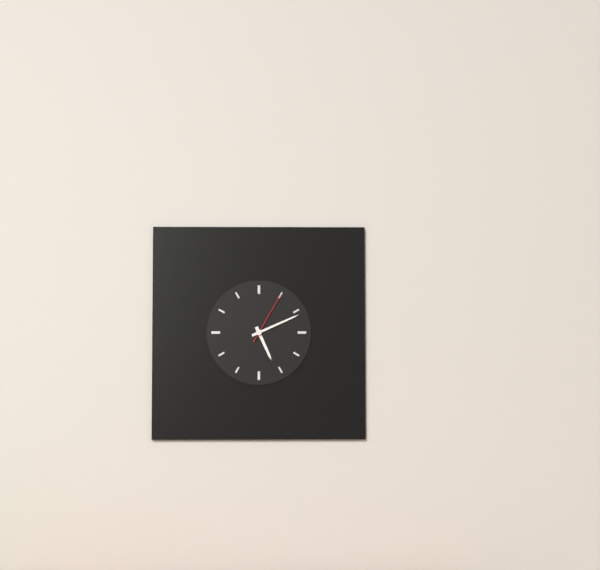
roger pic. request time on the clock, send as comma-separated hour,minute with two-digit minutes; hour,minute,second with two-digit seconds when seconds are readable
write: 5,11,05
